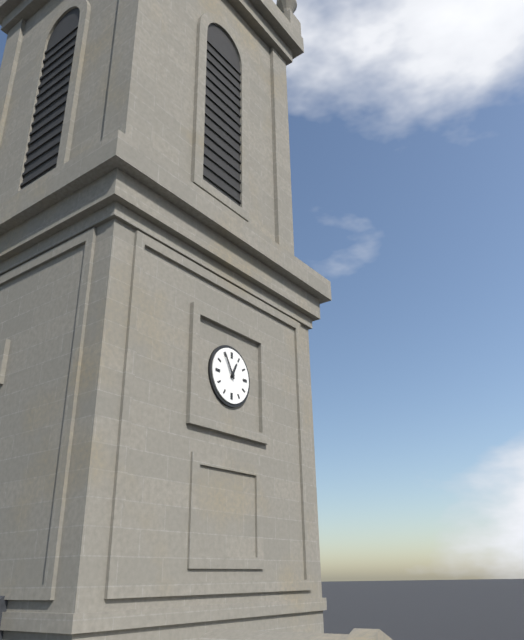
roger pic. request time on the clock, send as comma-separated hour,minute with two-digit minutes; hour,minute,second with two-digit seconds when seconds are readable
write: 12,55
